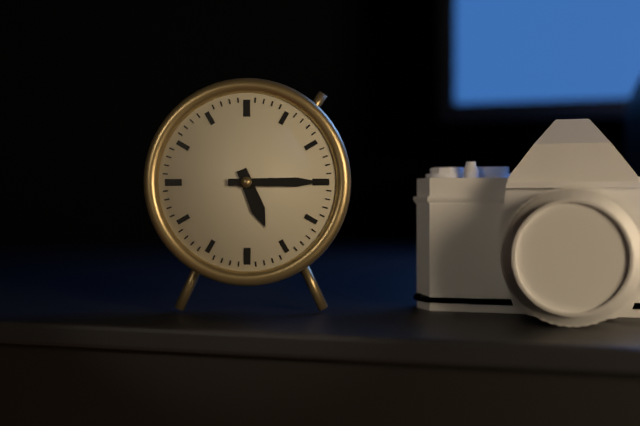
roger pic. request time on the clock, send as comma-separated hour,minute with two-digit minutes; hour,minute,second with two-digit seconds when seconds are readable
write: 5,15
